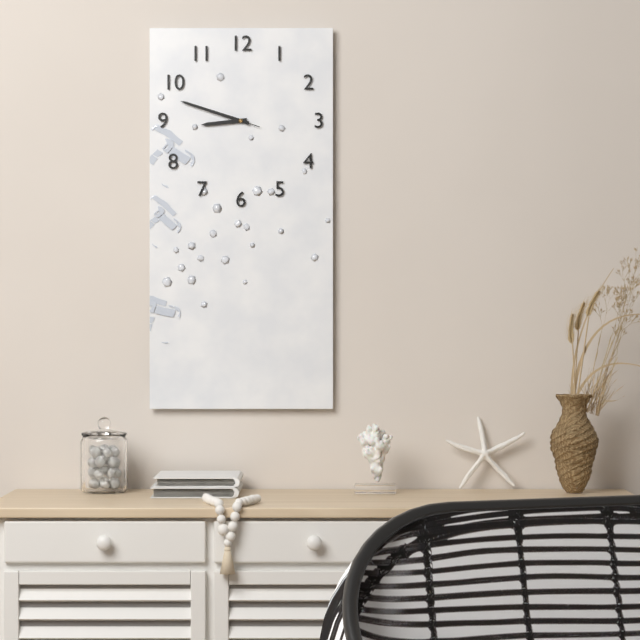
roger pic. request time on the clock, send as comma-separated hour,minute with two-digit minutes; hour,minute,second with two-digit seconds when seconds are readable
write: 8,48,48
